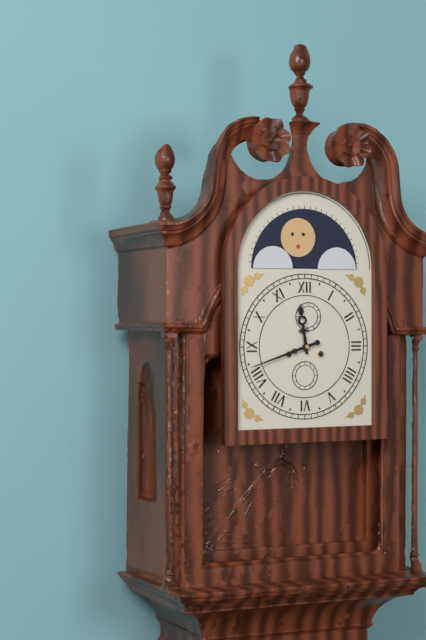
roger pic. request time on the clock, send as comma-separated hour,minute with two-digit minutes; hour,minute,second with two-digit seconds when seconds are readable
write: 11,42
